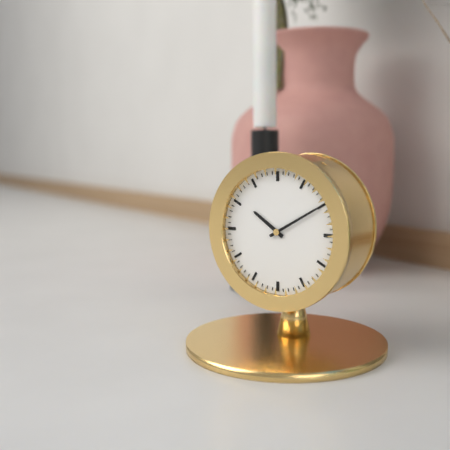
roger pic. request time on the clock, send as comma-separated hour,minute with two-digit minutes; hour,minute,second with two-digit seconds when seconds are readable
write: 10,10
